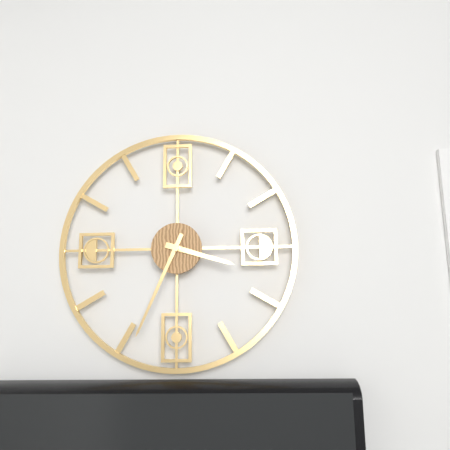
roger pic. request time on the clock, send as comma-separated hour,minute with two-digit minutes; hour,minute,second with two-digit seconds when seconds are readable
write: 3,34
